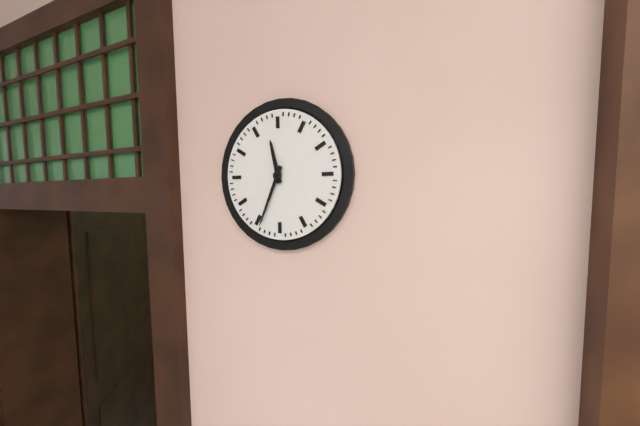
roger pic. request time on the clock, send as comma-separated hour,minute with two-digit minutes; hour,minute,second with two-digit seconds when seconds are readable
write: 11,34
